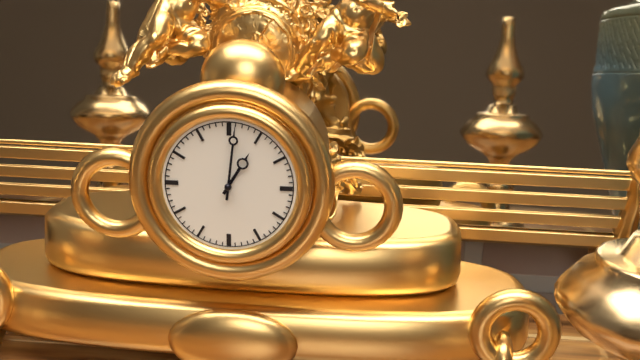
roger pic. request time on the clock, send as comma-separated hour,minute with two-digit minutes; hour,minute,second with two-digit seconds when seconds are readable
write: 1,01
